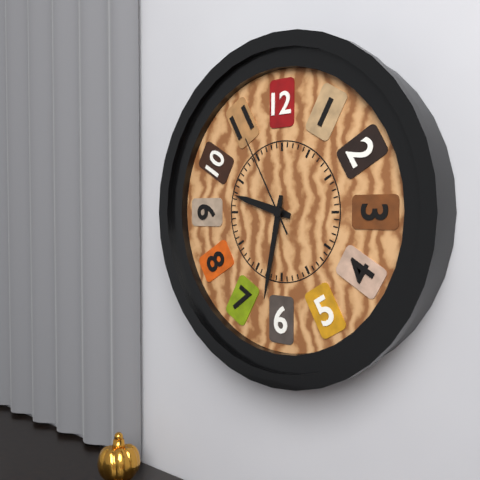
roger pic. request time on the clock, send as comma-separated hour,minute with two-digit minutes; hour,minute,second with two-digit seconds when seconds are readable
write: 9,32,55
